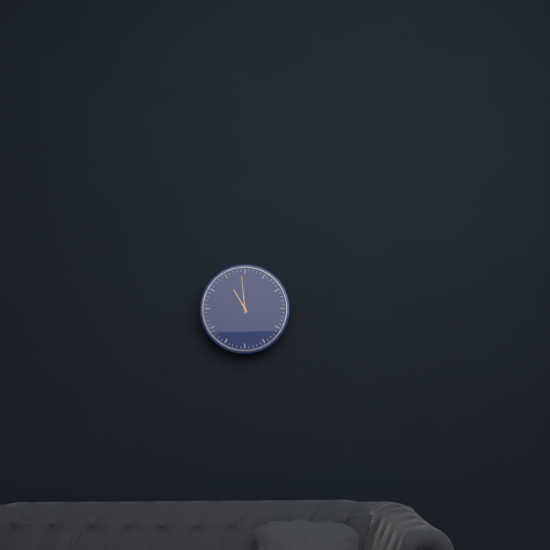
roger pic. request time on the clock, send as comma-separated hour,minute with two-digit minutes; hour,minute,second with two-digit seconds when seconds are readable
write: 10,59
